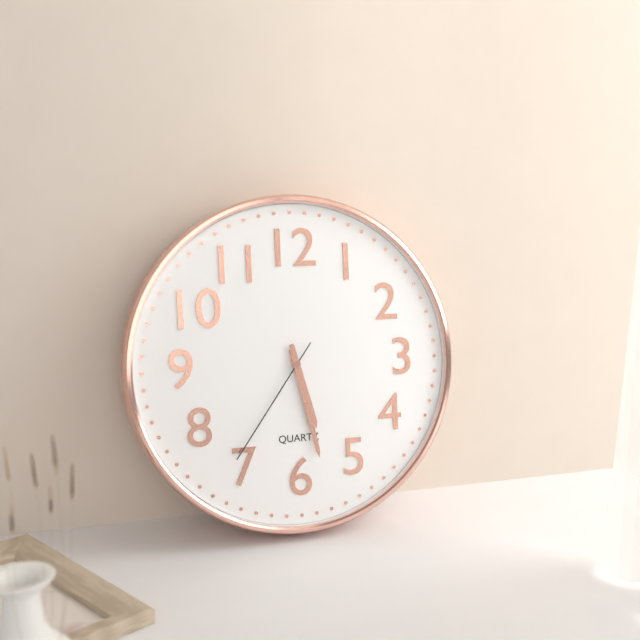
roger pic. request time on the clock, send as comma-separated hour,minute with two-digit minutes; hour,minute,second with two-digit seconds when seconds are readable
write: 5,28,36
